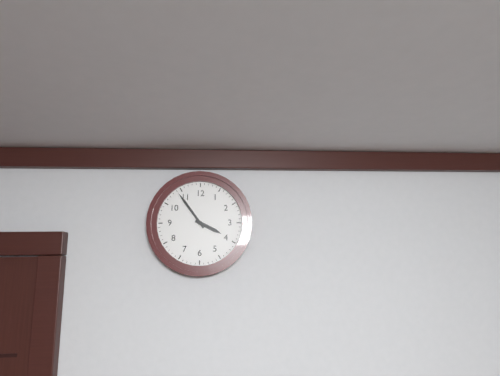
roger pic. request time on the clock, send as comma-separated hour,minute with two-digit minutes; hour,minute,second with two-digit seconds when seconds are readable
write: 3,54
